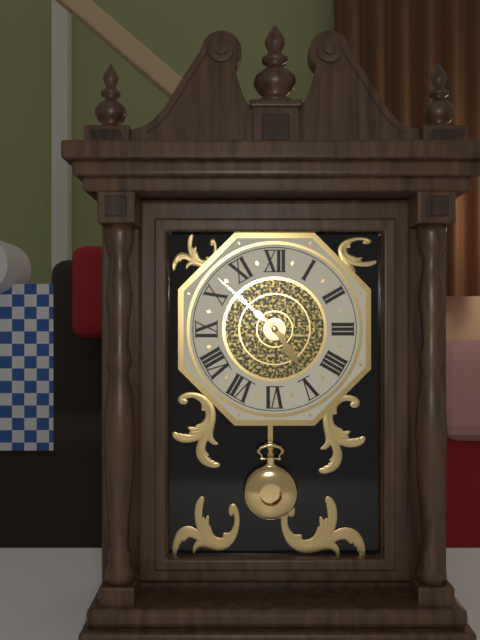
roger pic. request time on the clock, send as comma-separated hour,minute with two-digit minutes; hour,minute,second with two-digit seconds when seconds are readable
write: 4,52
